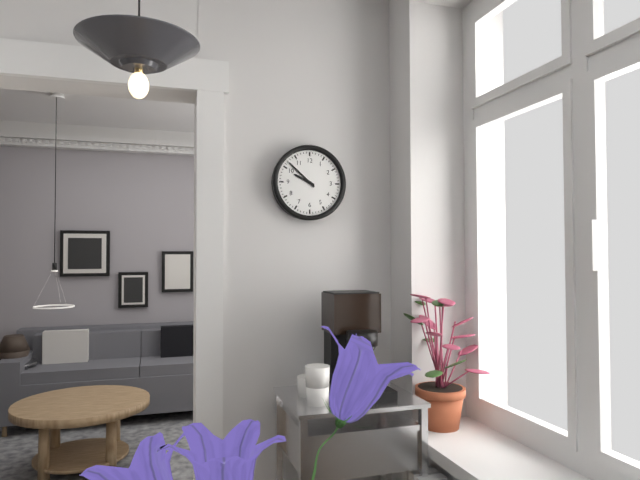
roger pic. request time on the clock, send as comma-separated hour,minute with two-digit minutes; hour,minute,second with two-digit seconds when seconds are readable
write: 9,52
